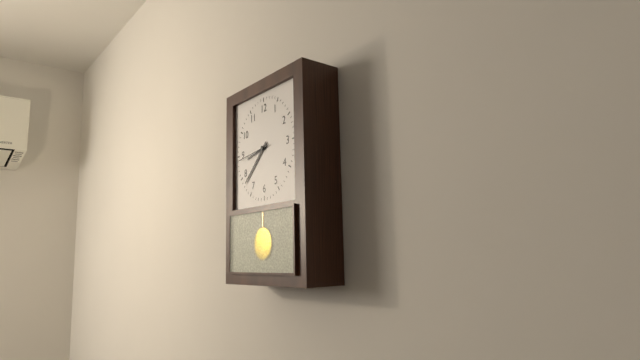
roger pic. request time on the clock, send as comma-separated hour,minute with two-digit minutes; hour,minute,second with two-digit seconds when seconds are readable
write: 8,38
